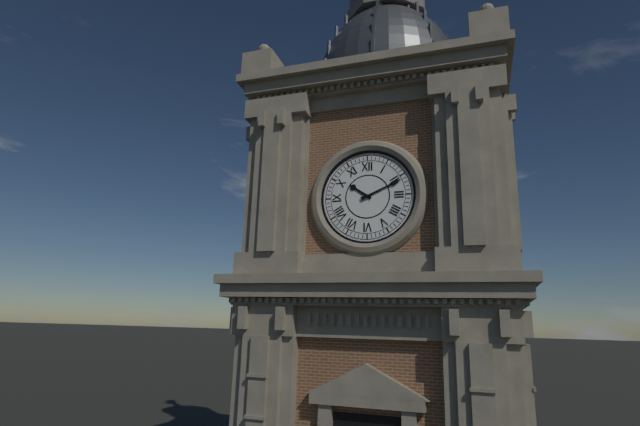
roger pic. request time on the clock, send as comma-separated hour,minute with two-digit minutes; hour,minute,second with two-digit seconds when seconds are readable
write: 10,11
